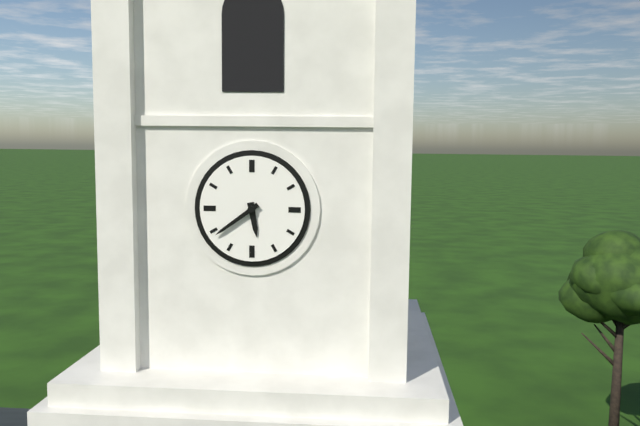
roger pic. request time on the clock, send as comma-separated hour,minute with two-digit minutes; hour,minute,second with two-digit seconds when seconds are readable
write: 5,39
